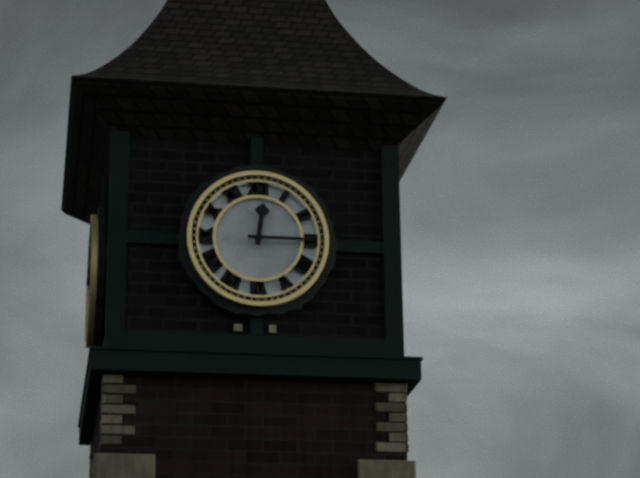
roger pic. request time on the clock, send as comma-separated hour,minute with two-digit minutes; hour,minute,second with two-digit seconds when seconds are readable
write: 12,15
